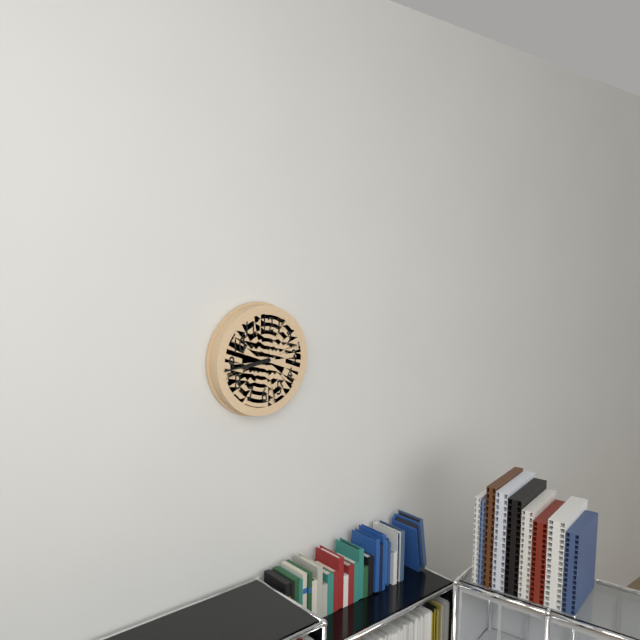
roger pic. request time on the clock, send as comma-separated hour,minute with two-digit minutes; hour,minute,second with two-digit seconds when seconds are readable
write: 8,44
